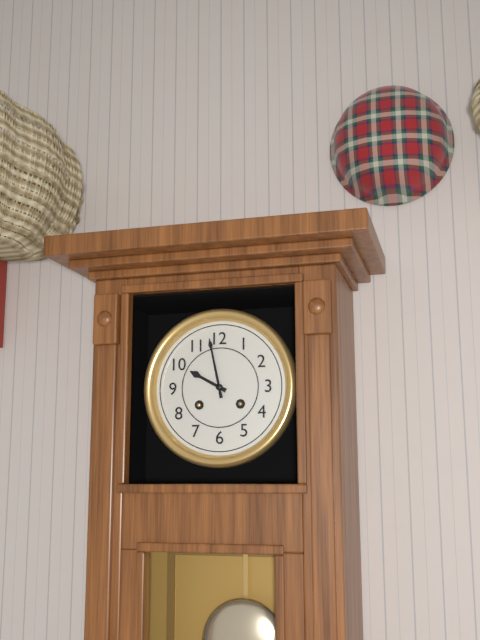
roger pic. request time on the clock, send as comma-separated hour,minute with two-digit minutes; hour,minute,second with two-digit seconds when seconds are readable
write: 9,58
